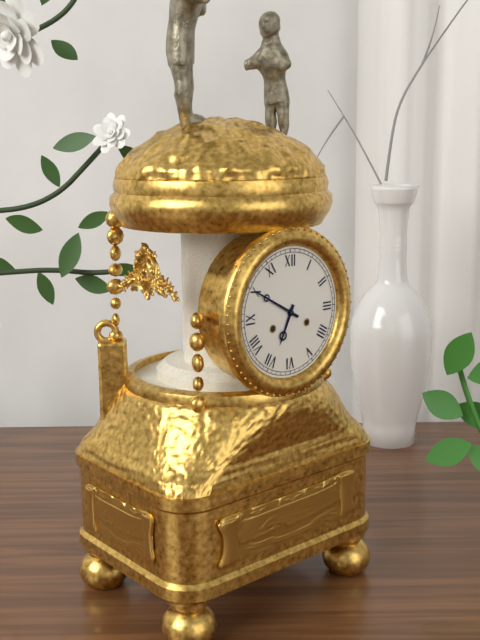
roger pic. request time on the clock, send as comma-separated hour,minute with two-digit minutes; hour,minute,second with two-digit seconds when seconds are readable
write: 6,50
